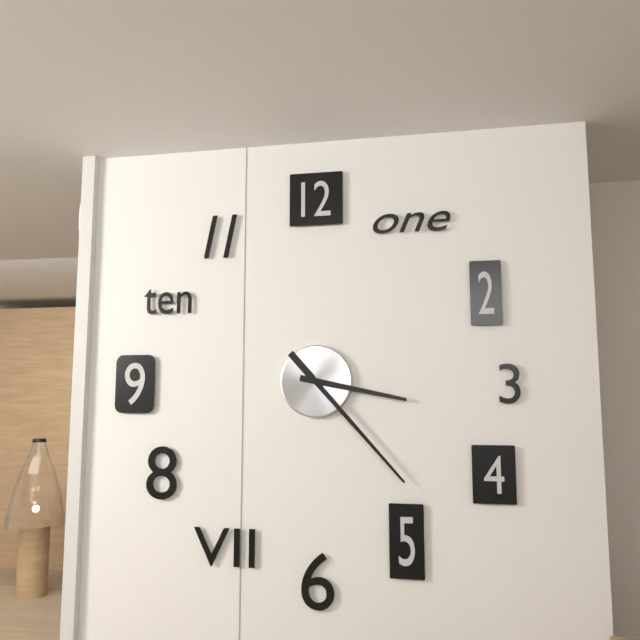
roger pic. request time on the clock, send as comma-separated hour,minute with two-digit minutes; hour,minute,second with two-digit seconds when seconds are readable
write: 3,23
